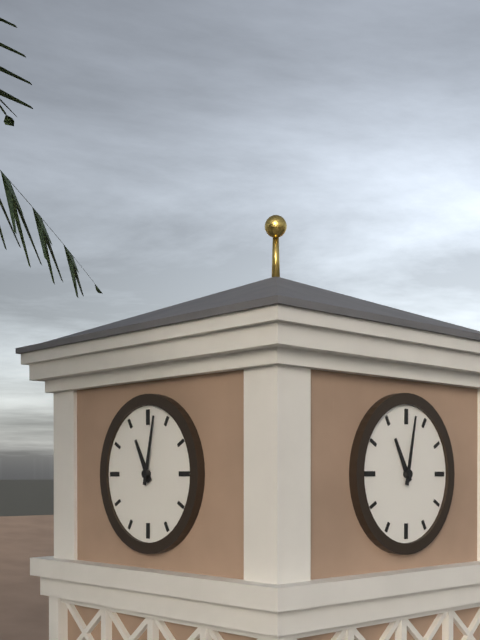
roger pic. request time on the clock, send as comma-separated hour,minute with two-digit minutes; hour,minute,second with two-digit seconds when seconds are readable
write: 11,02
